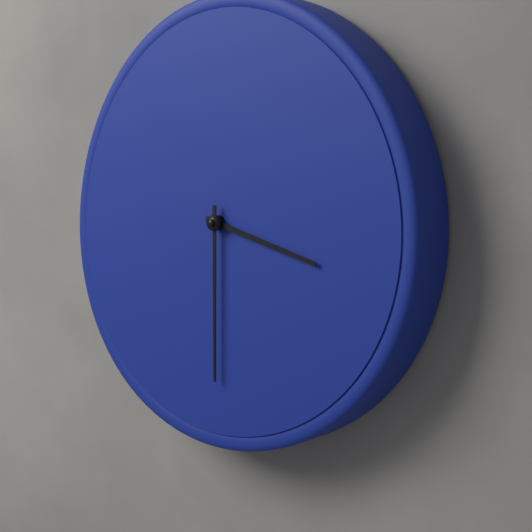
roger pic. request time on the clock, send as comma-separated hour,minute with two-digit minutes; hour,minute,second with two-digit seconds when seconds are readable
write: 3,30
